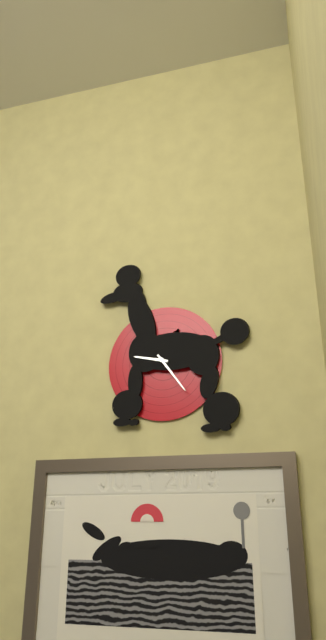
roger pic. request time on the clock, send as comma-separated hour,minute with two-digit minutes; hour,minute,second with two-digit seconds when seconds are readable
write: 9,24
